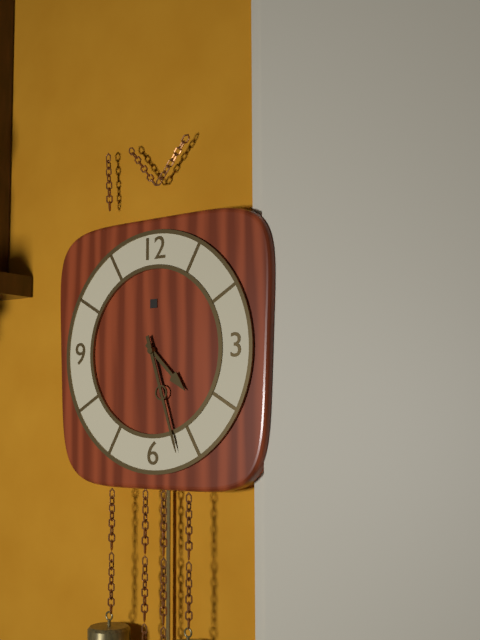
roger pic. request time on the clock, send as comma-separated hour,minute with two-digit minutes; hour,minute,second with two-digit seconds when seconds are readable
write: 4,27
